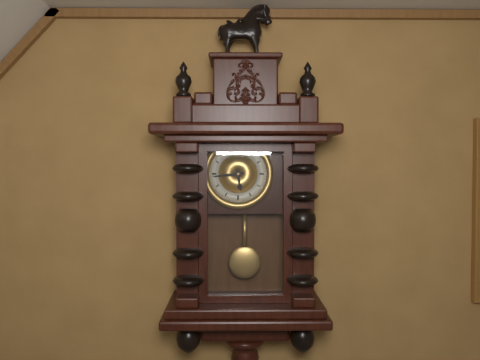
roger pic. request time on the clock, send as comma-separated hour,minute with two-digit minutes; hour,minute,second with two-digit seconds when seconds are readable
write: 5,44
